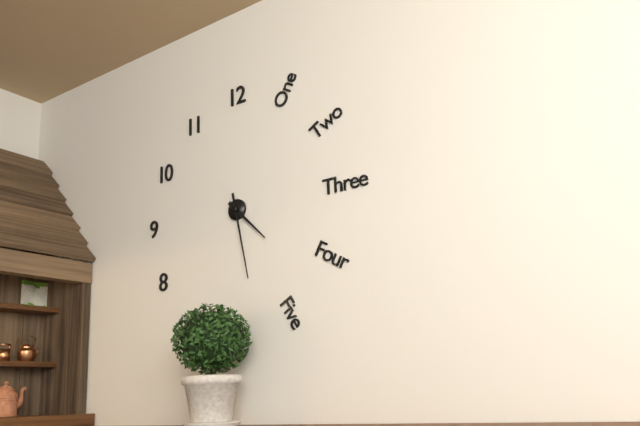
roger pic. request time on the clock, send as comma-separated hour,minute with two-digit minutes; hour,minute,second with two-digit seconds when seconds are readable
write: 4,28
